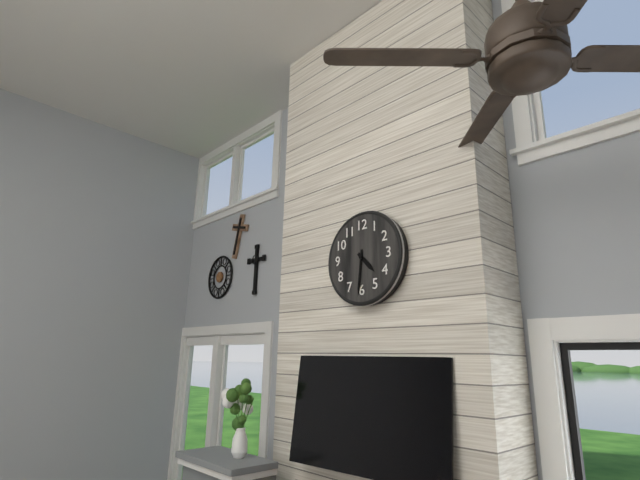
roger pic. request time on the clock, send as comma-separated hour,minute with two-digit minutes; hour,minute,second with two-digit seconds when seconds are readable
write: 4,31
